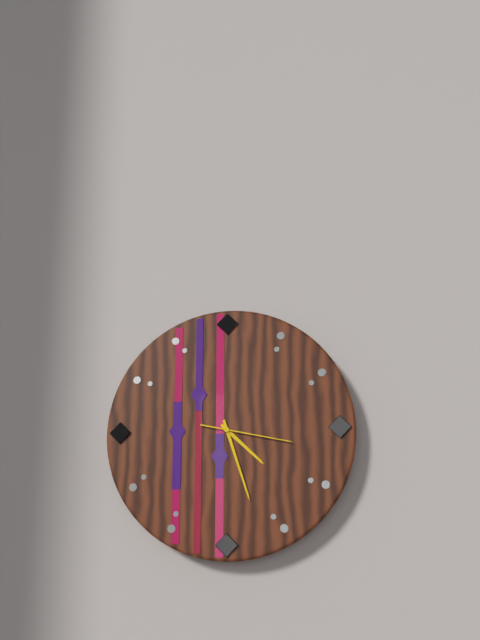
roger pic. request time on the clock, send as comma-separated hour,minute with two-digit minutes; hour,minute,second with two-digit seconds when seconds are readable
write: 4,27,17
